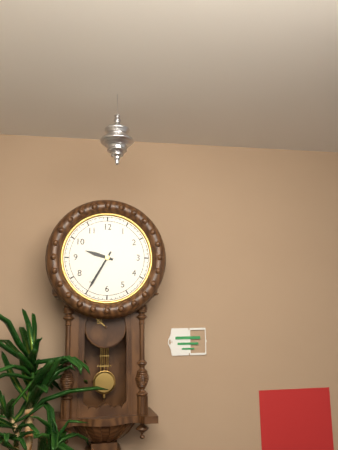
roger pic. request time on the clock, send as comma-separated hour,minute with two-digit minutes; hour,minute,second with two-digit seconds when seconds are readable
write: 9,35
